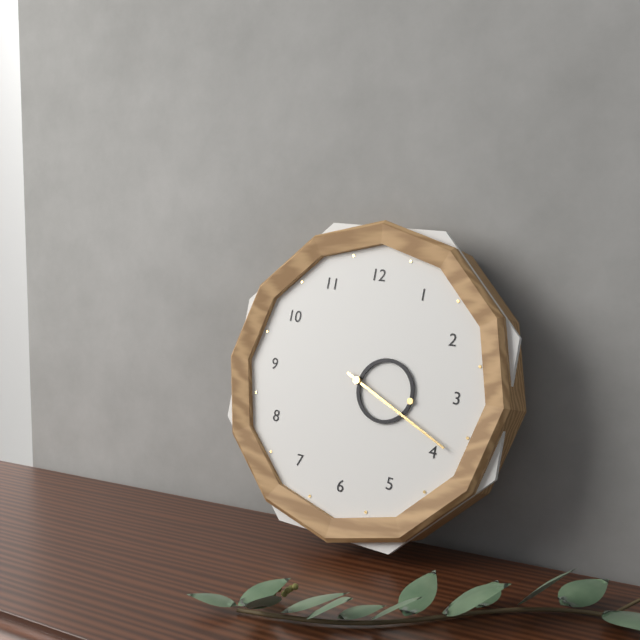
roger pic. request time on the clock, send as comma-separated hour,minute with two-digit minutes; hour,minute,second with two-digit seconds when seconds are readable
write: 3,19
